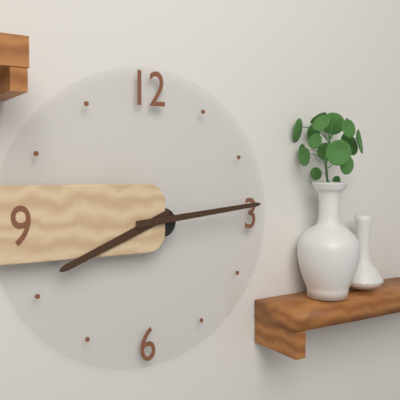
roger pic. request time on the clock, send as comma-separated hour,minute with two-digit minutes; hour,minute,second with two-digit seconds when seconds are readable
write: 8,14
